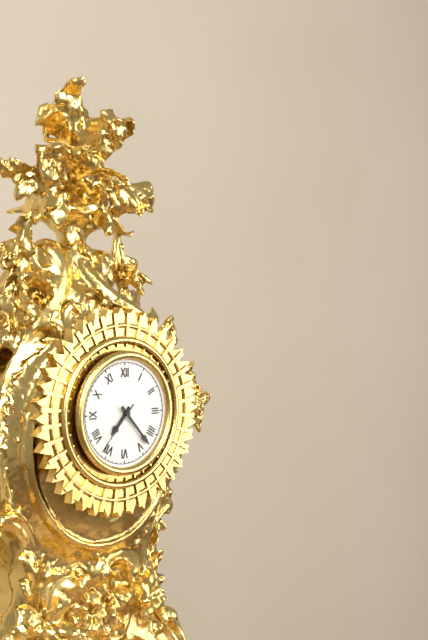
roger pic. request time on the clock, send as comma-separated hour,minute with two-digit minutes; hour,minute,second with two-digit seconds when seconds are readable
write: 7,23,37
